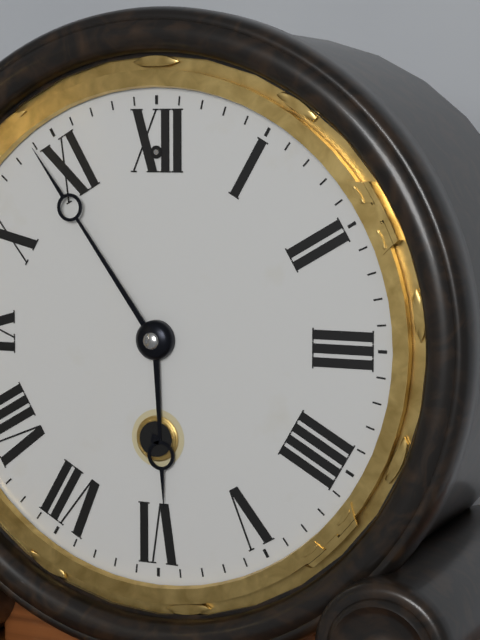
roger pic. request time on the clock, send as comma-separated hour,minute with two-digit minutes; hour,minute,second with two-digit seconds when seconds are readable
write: 5,54
